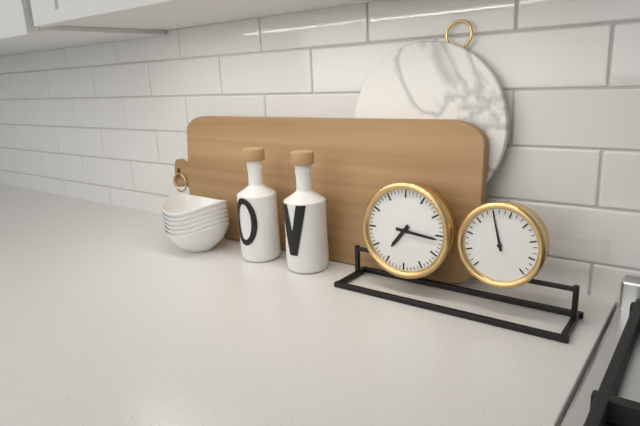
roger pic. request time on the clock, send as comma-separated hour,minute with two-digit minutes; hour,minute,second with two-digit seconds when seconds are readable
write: 7,16
